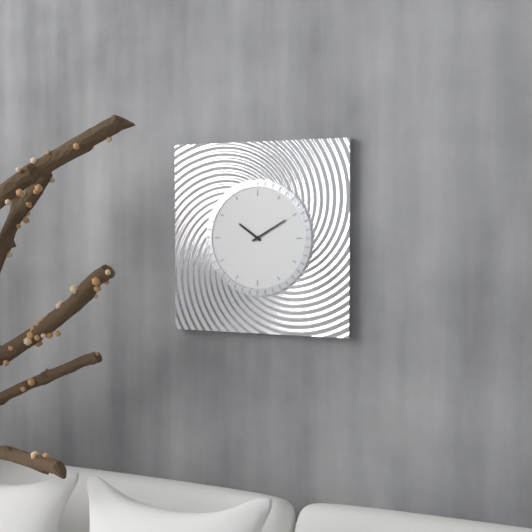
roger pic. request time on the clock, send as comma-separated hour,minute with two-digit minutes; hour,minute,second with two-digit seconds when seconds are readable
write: 10,10
